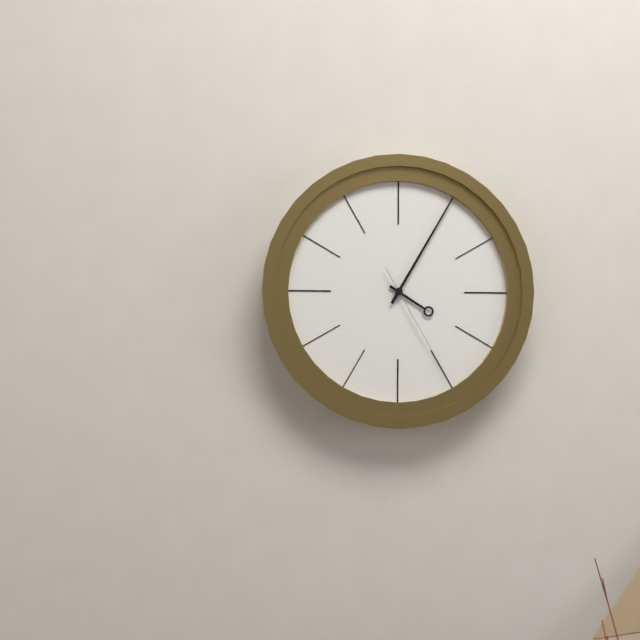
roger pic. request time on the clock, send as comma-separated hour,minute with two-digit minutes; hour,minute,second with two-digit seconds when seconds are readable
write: 4,05,25
